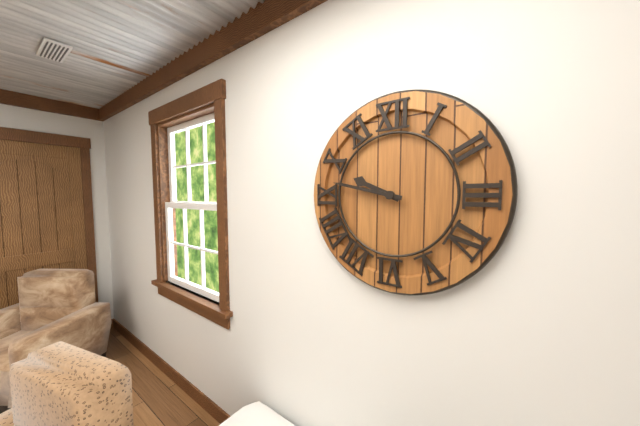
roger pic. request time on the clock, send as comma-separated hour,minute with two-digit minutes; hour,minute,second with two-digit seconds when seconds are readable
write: 9,47
